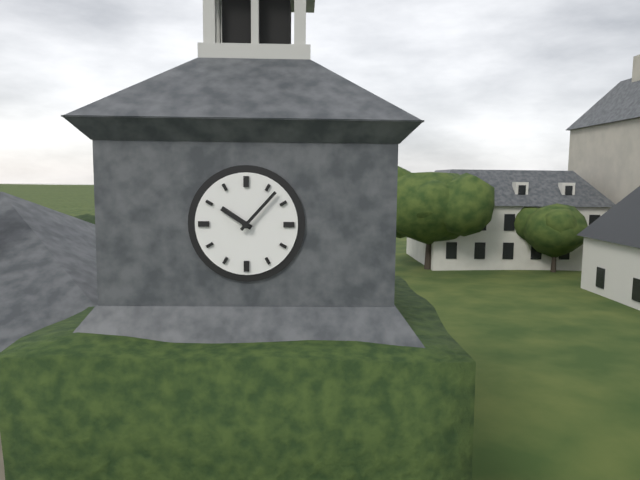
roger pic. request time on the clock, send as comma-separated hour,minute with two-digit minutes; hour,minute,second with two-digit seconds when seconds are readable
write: 10,07
